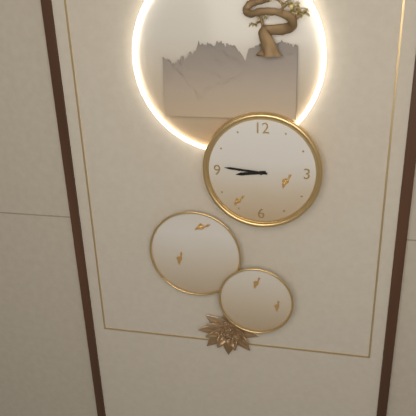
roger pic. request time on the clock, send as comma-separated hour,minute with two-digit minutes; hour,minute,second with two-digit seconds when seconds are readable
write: 8,46
